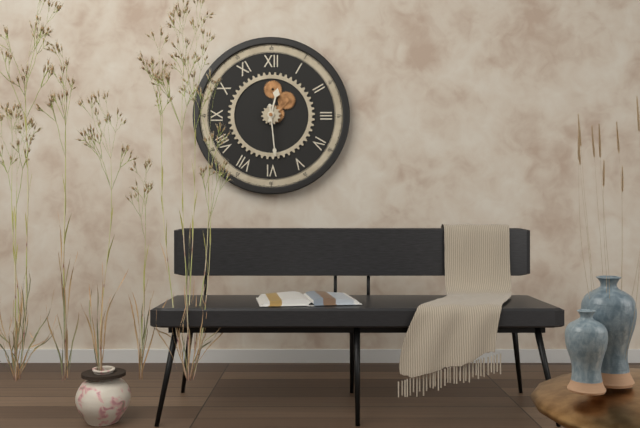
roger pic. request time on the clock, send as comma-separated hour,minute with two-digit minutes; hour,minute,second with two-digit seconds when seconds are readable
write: 12,29
